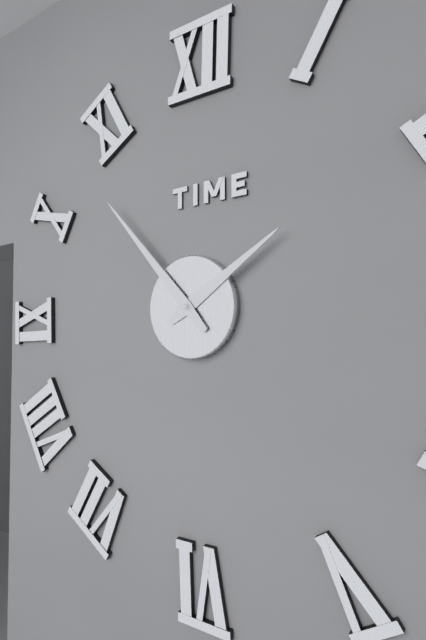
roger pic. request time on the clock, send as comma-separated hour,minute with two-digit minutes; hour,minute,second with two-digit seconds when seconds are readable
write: 1,53
